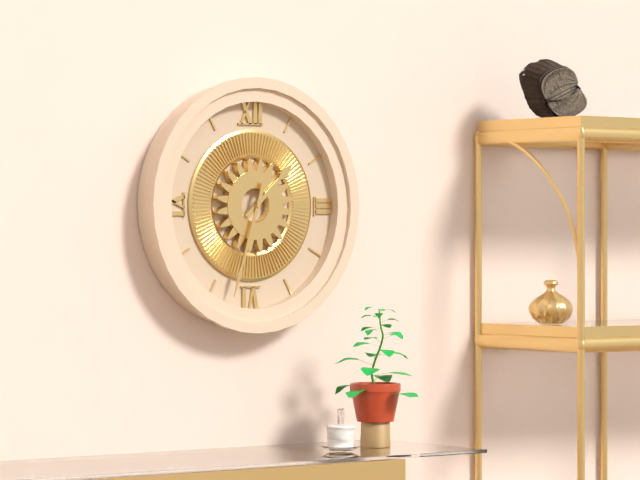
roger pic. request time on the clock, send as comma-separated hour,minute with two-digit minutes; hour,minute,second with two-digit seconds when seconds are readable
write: 1,33
